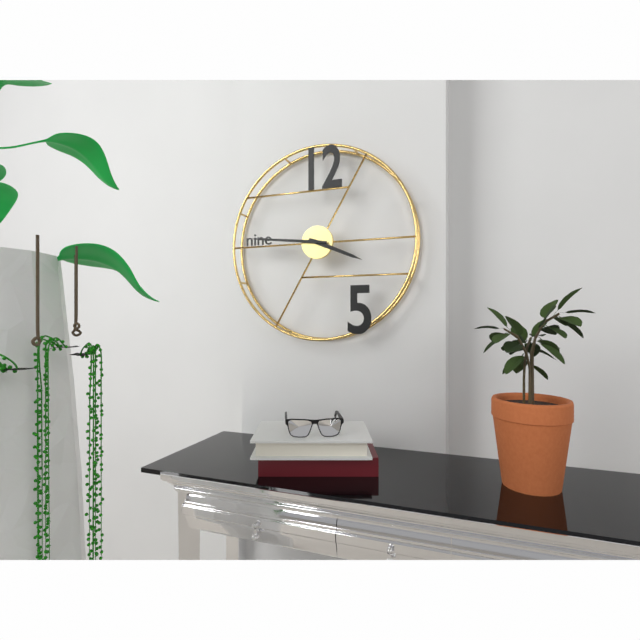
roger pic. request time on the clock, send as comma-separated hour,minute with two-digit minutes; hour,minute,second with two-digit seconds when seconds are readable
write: 3,46
